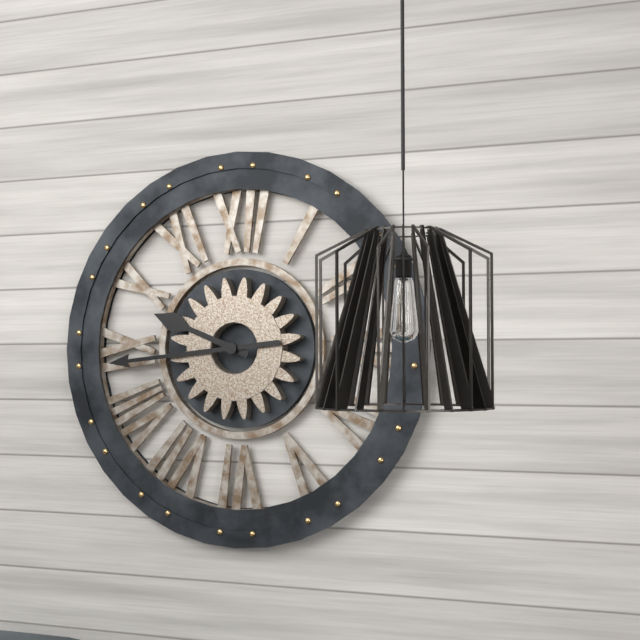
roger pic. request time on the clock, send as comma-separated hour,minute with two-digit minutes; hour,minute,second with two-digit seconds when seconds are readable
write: 9,44
